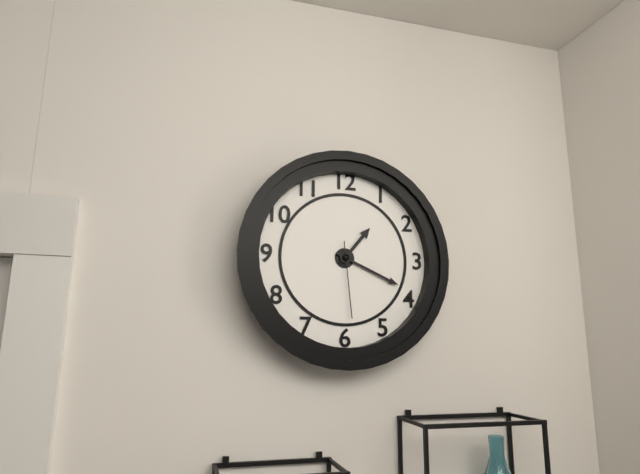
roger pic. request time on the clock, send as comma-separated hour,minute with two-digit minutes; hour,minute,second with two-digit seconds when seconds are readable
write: 1,19,29
